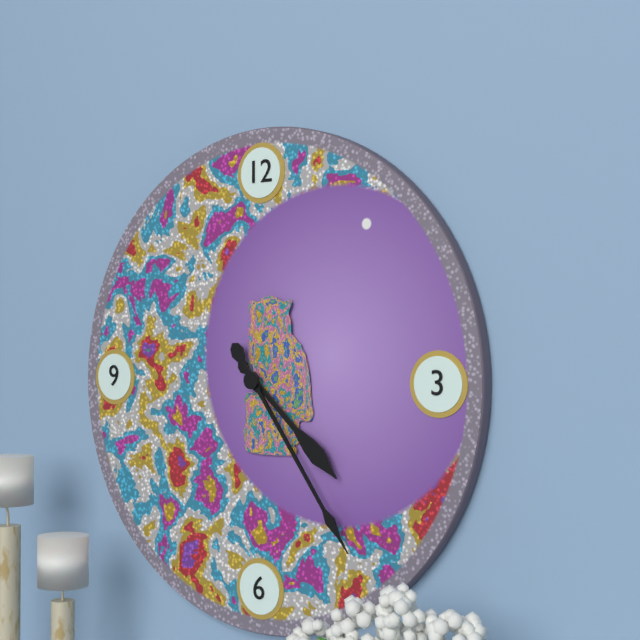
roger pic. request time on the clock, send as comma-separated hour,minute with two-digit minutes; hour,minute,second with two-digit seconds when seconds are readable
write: 4,24
